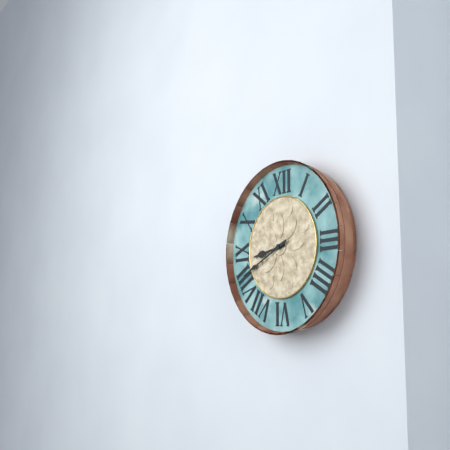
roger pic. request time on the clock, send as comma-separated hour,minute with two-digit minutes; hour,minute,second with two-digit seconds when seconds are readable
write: 8,41
